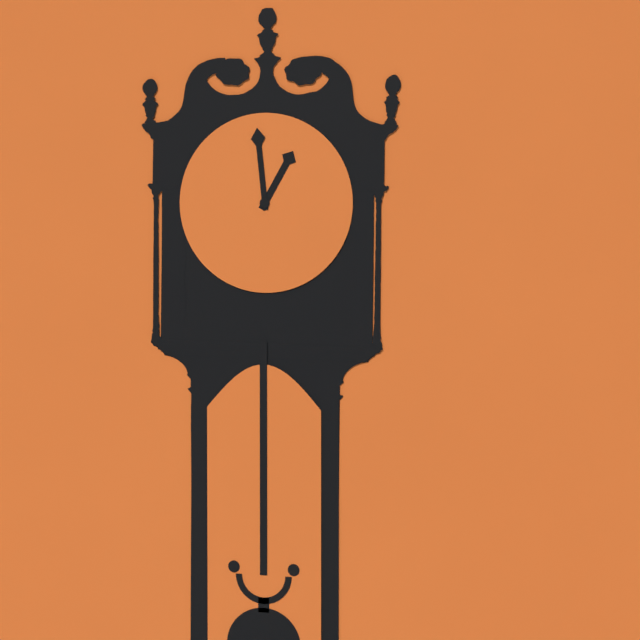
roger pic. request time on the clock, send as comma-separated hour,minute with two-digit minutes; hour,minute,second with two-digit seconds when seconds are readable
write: 12,59
